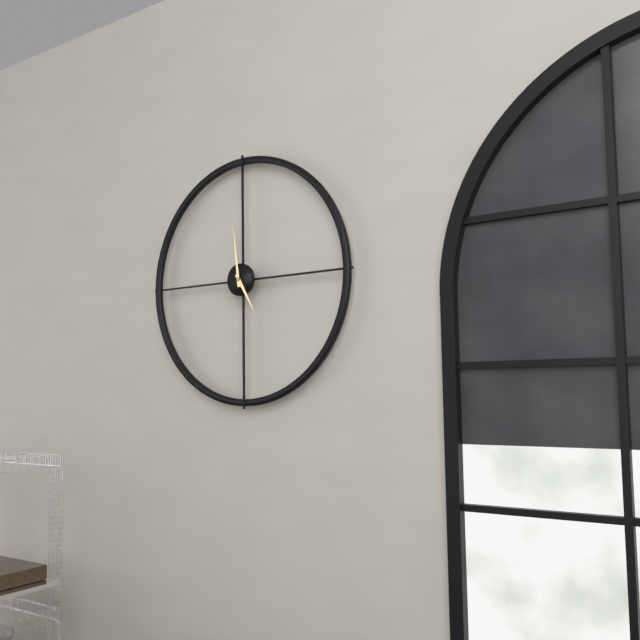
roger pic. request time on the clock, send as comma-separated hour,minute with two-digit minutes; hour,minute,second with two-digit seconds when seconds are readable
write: 4,59
